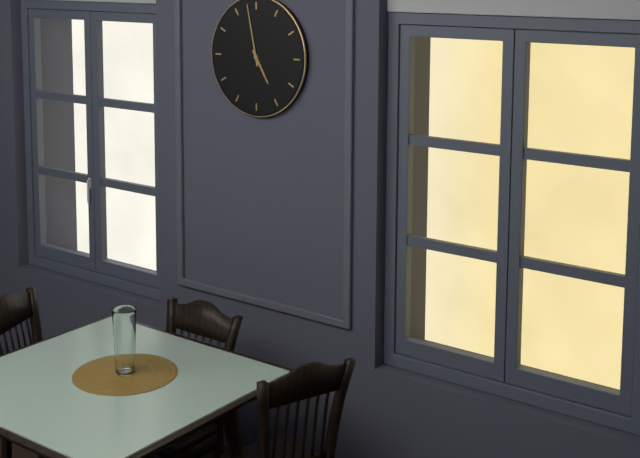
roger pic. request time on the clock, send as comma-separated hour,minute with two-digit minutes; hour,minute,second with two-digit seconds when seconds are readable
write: 4,58
